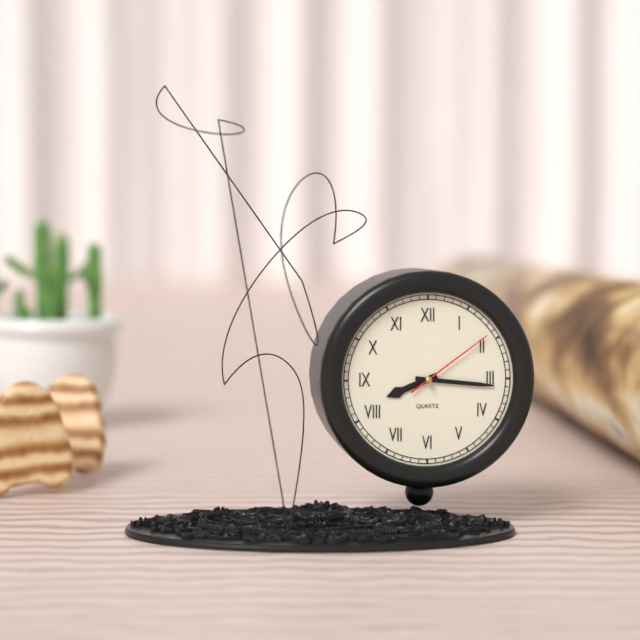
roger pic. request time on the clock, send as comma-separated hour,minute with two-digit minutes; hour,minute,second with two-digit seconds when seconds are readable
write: 8,16,09
